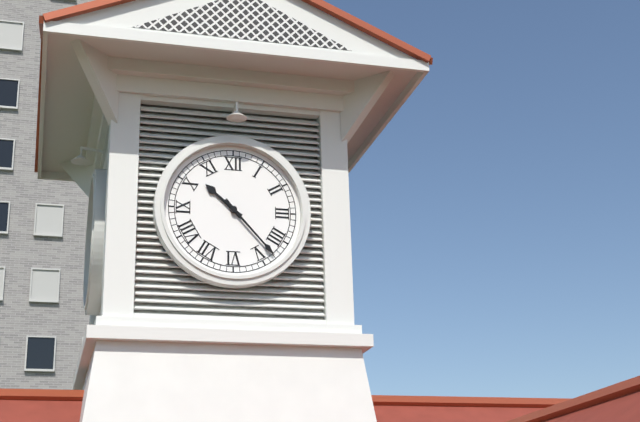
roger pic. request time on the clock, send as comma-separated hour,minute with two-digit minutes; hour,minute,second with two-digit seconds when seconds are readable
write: 10,23
